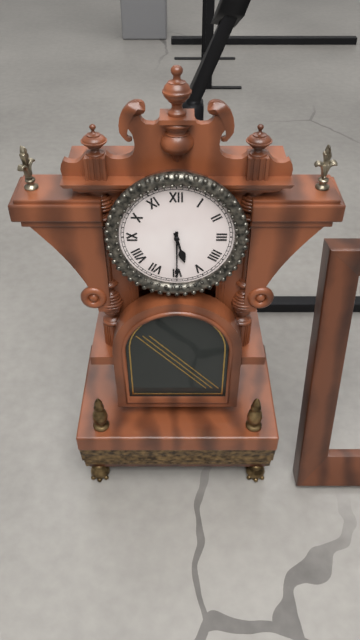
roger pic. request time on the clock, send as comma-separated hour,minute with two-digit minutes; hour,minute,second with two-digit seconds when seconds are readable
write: 5,30
